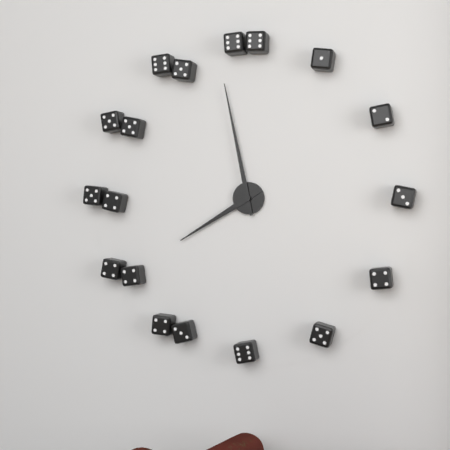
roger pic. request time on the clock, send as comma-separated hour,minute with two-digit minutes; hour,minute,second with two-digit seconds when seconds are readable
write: 7,58
